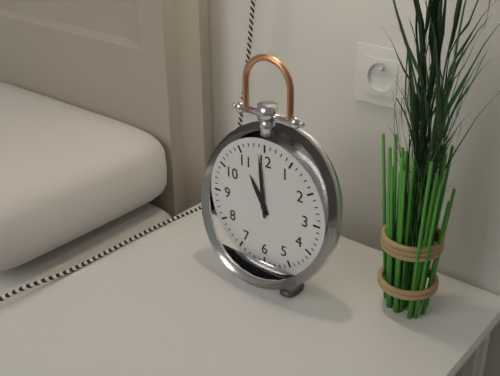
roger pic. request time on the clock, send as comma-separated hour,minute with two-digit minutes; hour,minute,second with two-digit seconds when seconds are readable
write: 10,59
